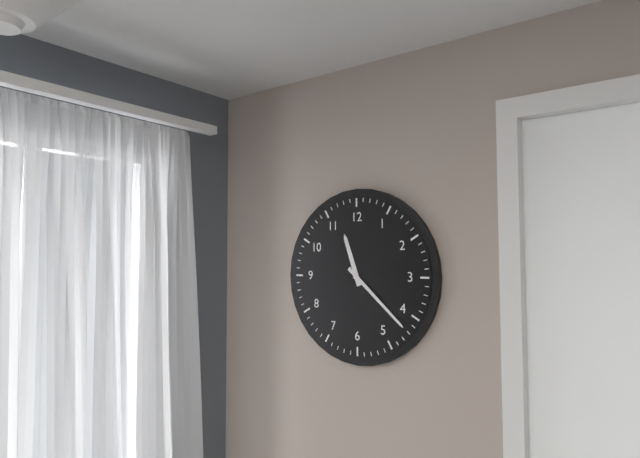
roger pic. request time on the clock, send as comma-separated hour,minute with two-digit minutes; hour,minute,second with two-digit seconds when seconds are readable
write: 11,22
